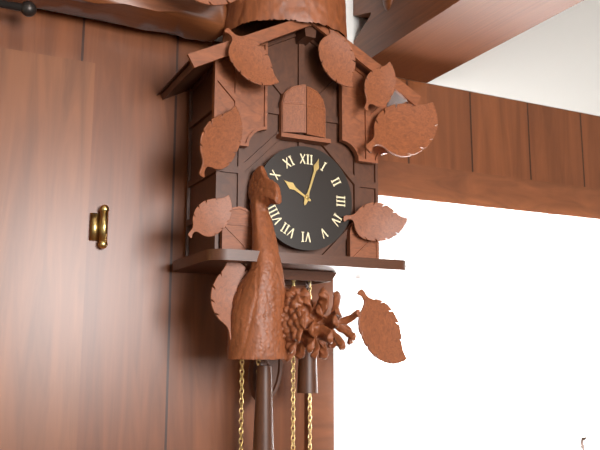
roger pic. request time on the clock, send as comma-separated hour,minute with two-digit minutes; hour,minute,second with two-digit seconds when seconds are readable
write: 10,03
